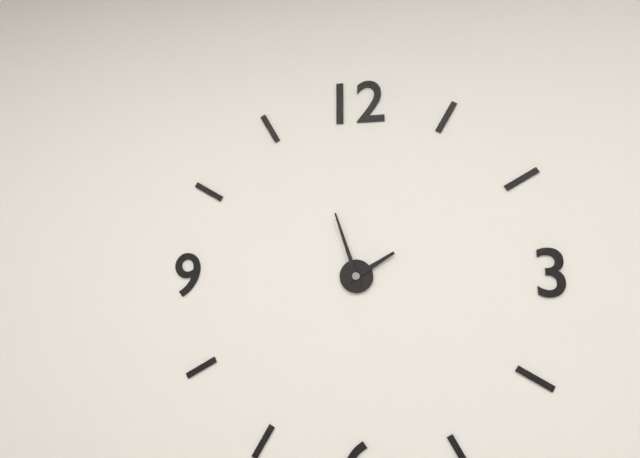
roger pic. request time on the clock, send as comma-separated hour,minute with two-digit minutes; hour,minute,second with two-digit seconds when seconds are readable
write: 1,57
